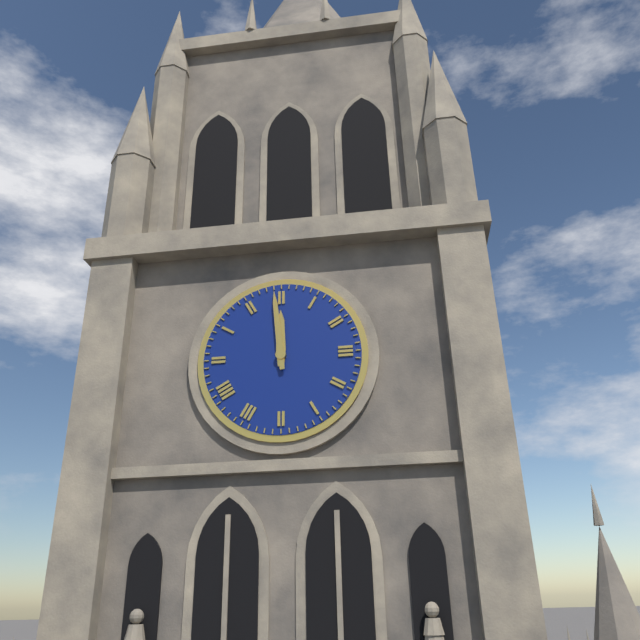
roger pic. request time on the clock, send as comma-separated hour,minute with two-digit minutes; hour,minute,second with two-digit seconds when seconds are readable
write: 11,59
